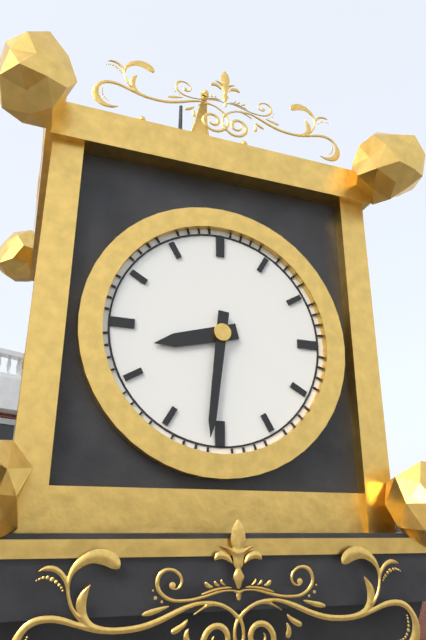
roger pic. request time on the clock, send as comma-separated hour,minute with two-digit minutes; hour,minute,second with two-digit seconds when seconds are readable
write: 8,31
